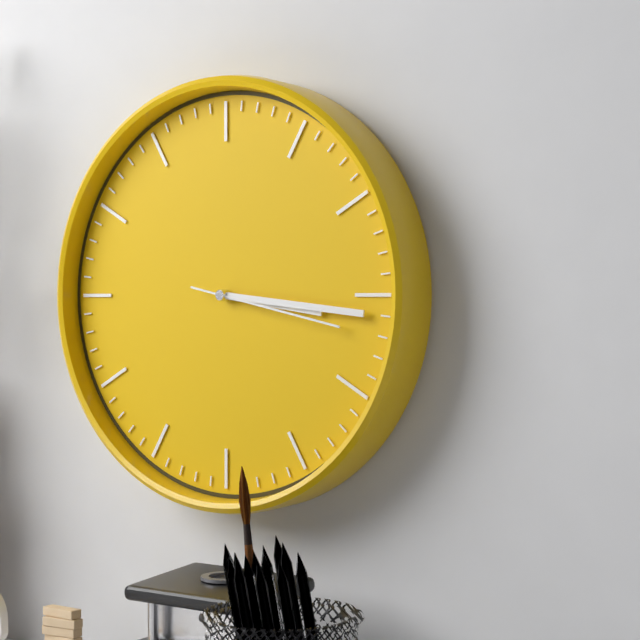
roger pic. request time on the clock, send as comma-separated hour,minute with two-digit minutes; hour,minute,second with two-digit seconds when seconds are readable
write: 3,16,17
